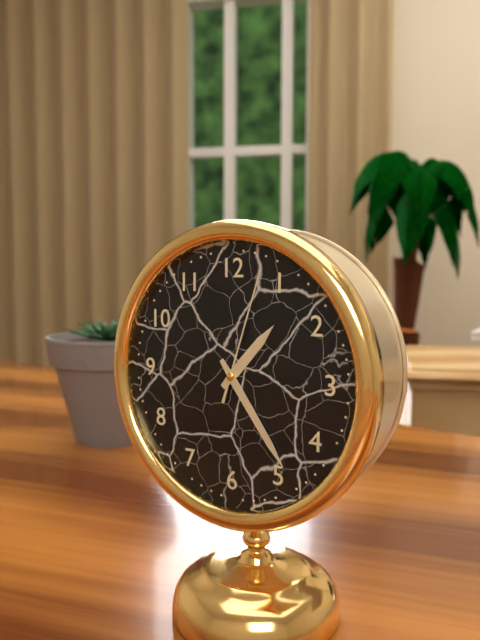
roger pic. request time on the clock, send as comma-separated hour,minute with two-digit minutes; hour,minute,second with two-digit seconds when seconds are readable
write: 1,24,03
